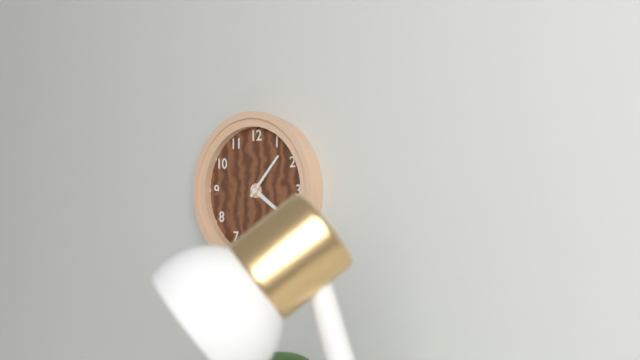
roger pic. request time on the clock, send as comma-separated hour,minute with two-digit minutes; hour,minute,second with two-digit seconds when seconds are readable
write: 4,07
